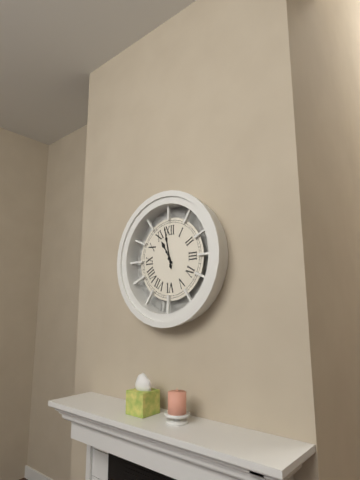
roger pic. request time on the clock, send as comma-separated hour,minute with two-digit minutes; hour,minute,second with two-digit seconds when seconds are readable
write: 10,58
